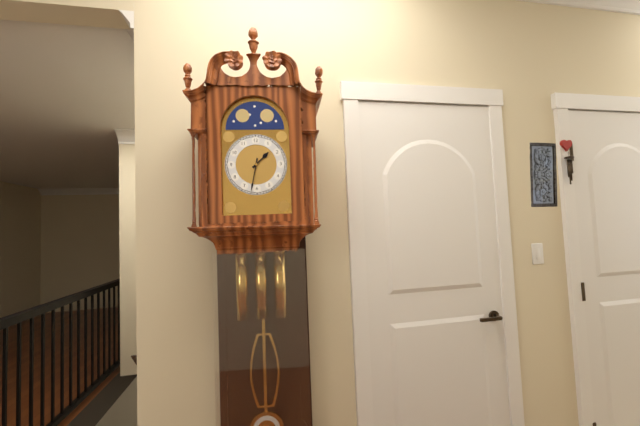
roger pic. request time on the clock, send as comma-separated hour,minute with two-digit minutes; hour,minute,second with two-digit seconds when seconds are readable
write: 1,32
